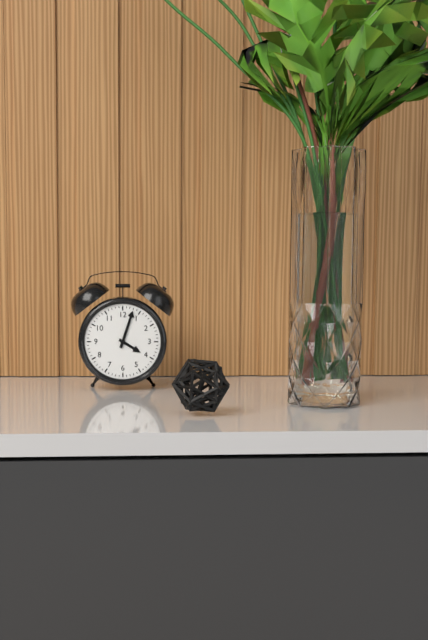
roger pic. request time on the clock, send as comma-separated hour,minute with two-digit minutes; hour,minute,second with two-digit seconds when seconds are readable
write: 4,03
